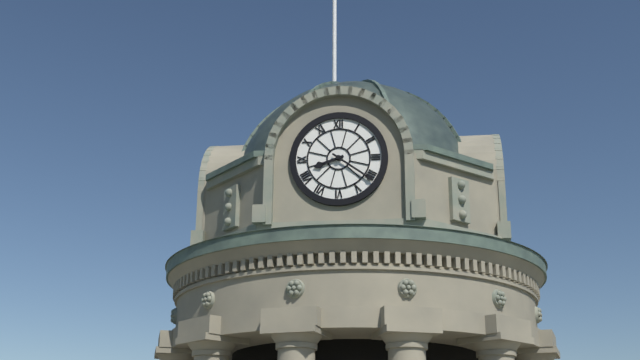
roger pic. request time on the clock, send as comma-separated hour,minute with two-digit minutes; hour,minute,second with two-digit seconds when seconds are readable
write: 8,21
